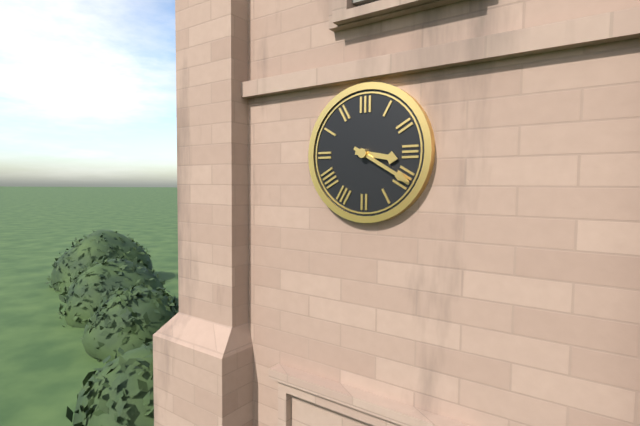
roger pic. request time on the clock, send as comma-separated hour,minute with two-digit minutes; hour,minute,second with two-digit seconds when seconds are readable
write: 3,20
